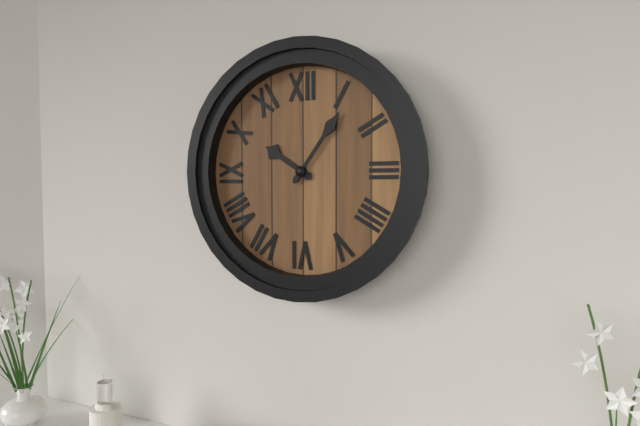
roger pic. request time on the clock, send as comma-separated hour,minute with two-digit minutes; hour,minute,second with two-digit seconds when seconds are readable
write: 10,06
